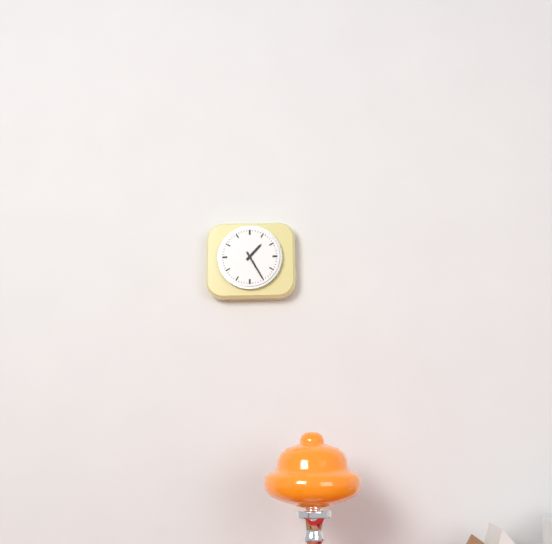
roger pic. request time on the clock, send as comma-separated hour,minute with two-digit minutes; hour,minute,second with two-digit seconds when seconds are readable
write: 1,25
